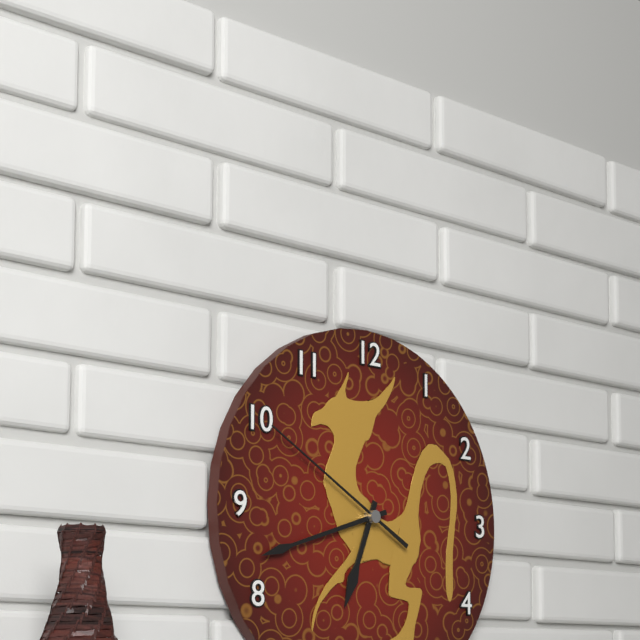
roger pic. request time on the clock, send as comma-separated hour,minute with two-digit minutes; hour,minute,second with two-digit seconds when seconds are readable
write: 6,42,50
